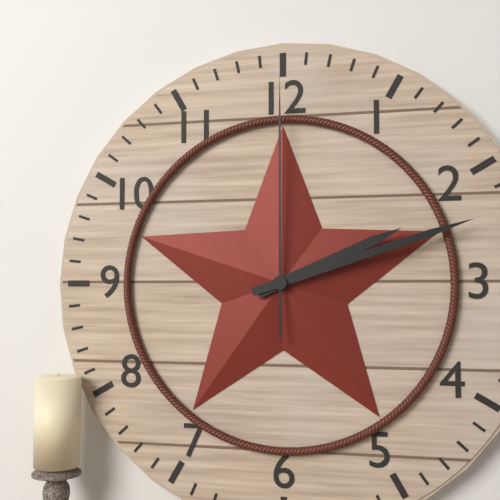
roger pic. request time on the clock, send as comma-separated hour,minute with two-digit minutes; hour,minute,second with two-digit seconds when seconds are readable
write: 2,12,00
